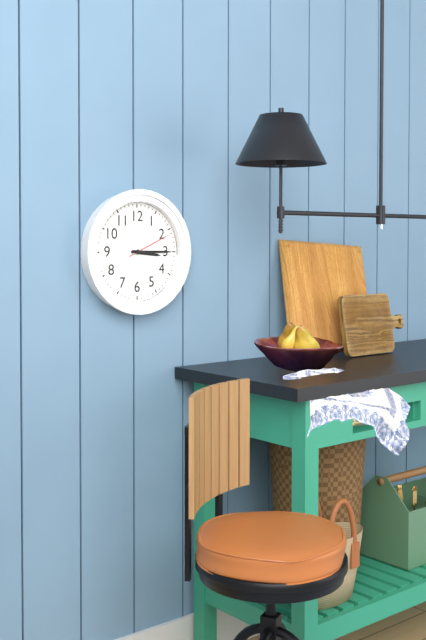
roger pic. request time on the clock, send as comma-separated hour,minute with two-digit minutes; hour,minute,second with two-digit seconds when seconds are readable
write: 3,15
